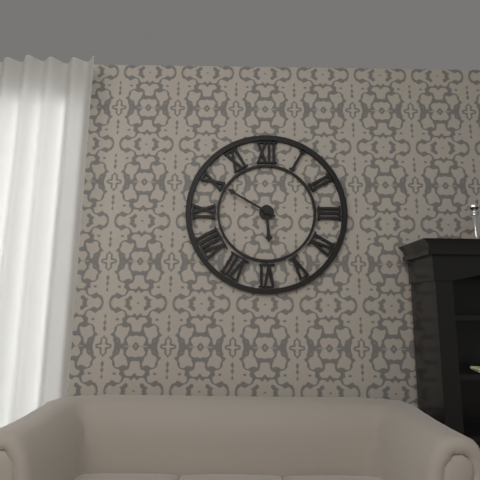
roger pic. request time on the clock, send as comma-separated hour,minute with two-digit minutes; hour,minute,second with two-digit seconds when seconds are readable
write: 5,50
